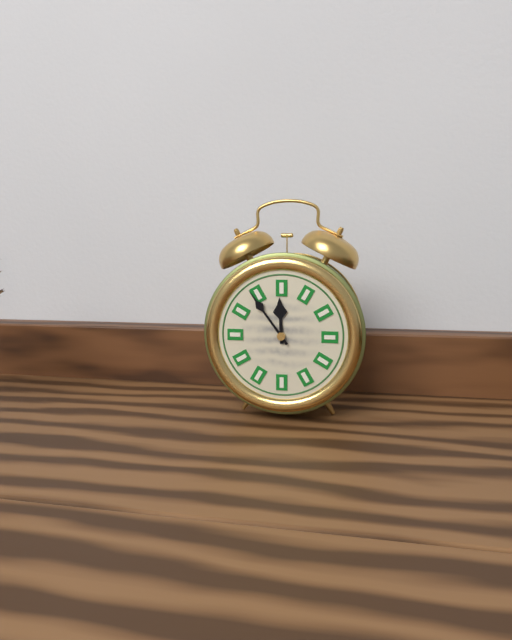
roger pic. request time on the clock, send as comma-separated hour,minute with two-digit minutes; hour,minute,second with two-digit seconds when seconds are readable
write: 11,54
